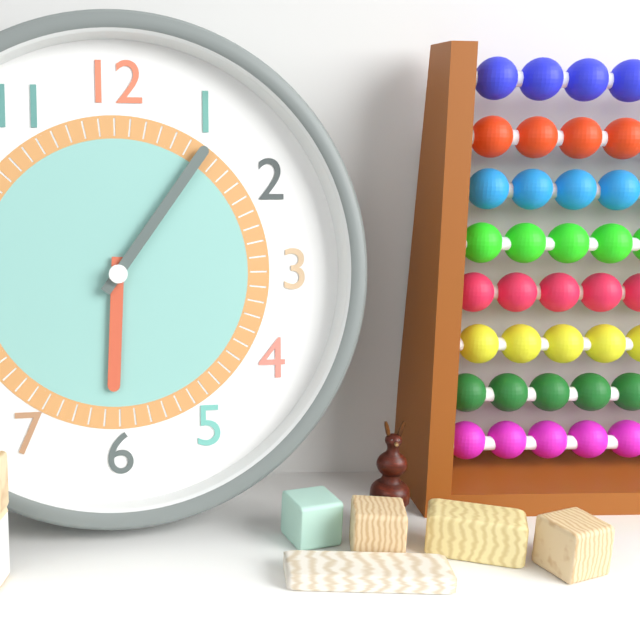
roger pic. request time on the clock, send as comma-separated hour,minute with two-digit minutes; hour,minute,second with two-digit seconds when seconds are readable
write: 6,06
